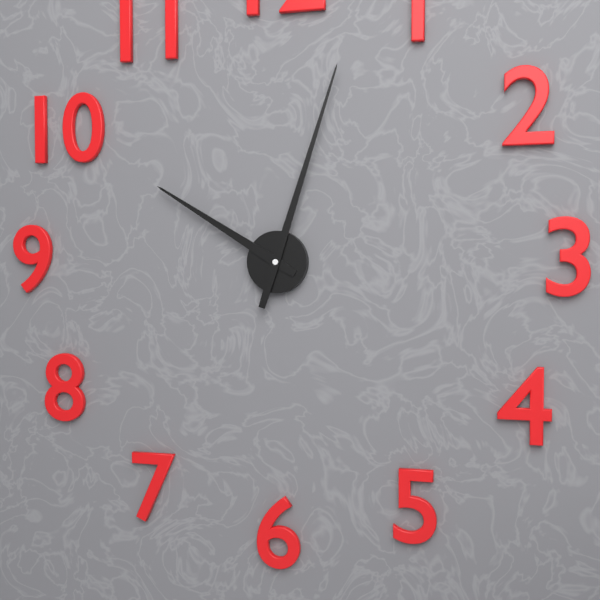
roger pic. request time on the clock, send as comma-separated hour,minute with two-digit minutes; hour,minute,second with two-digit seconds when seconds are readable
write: 10,03
